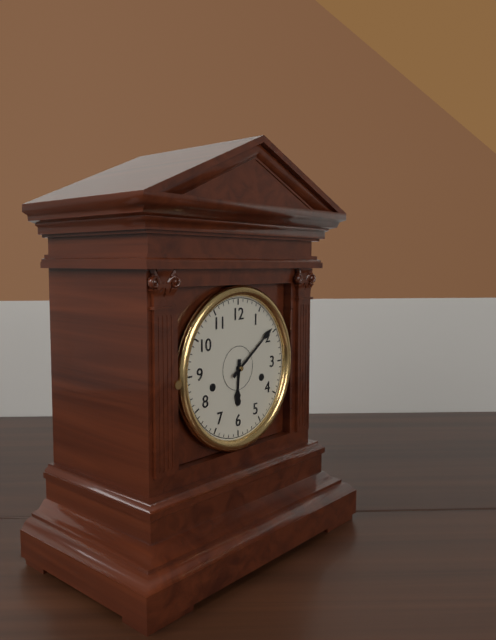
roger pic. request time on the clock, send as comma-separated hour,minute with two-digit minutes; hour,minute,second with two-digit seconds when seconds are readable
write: 6,09
